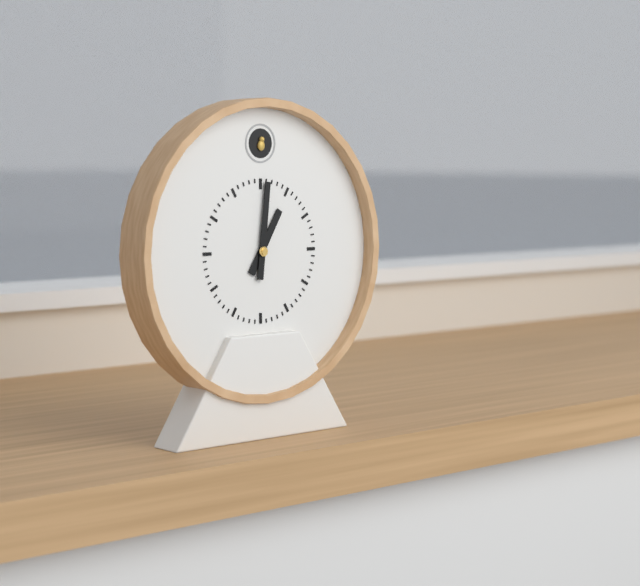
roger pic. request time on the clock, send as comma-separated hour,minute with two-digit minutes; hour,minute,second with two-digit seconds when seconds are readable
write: 1,01
